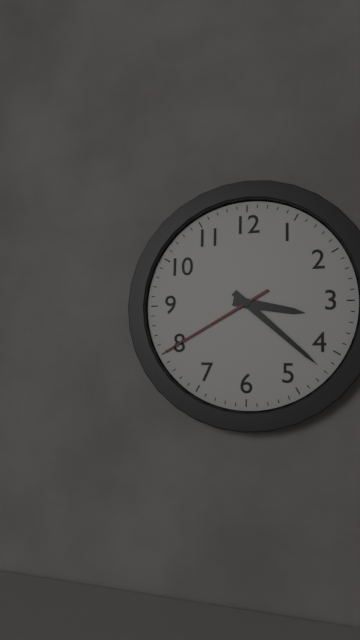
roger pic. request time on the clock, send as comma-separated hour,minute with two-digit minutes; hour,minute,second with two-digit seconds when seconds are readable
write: 3,22,40
